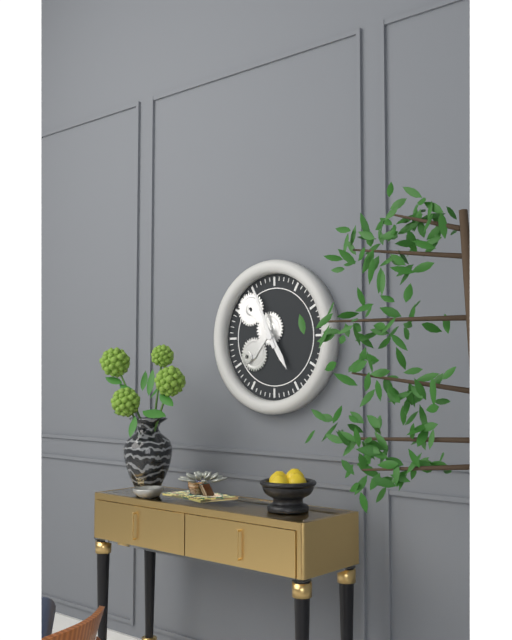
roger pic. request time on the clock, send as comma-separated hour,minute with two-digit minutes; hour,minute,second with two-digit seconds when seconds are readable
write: 4,56
